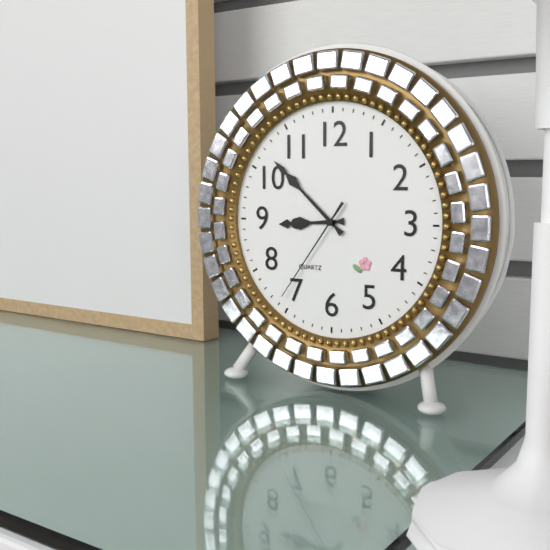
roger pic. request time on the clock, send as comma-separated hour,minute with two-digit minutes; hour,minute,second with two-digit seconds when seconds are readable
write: 8,52,36
